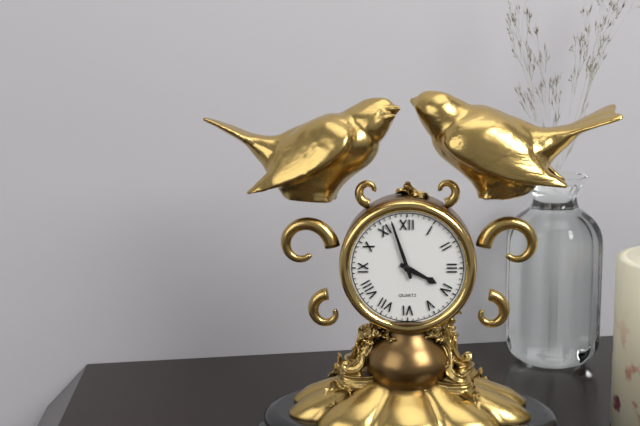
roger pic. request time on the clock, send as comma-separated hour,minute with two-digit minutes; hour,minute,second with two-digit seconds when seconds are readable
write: 3,57
